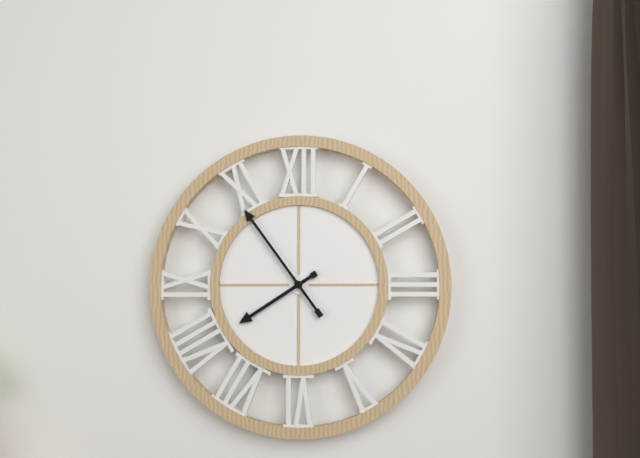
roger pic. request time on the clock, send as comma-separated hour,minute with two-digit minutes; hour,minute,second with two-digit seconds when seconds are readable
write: 7,54
